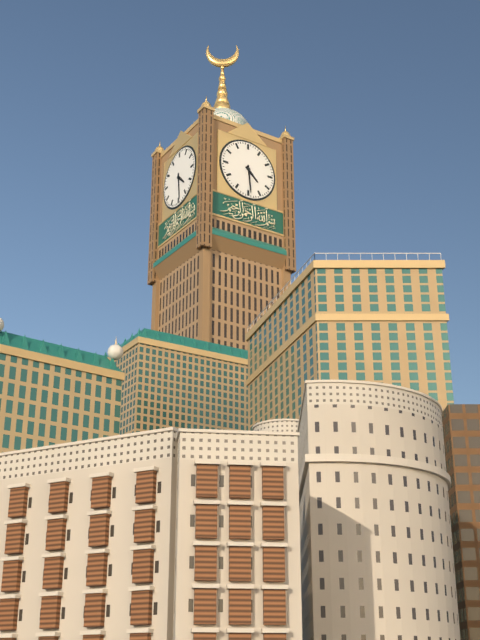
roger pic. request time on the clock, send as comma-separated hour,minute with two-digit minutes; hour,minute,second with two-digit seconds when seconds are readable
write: 4,29
